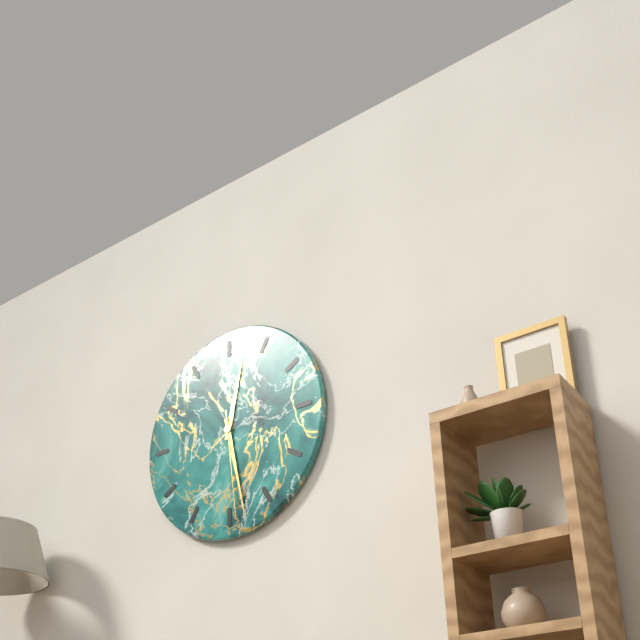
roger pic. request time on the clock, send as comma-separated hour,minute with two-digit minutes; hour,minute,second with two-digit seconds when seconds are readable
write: 12,28,29
